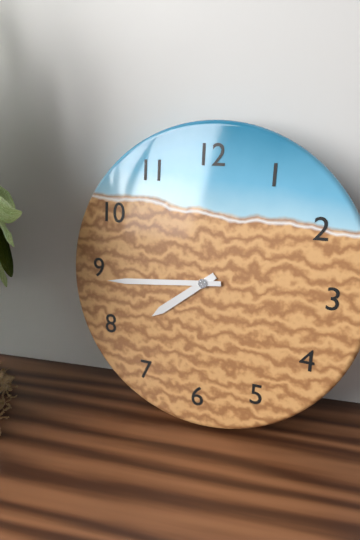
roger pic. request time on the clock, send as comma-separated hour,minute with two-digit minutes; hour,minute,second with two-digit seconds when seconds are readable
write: 7,44
